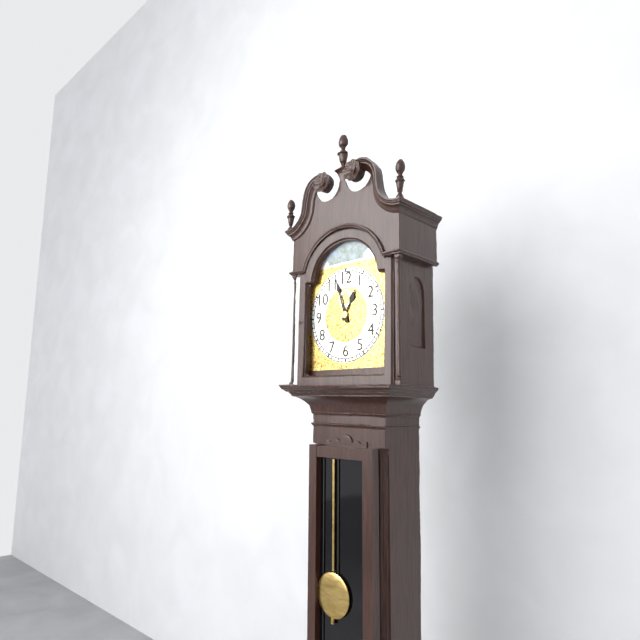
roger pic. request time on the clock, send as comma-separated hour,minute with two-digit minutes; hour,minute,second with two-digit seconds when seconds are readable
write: 12,57
